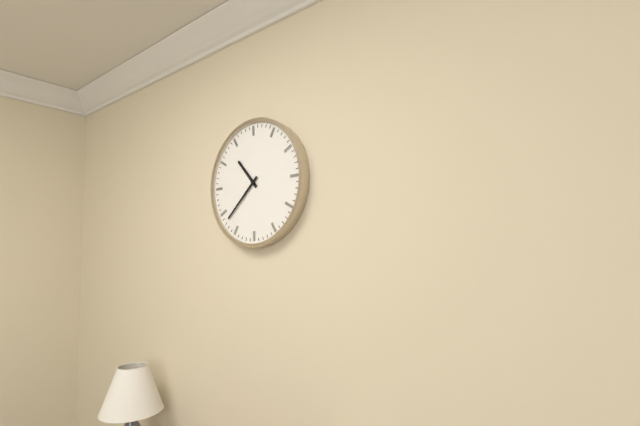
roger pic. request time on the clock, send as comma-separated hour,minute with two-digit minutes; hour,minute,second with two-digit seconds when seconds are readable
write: 10,38
